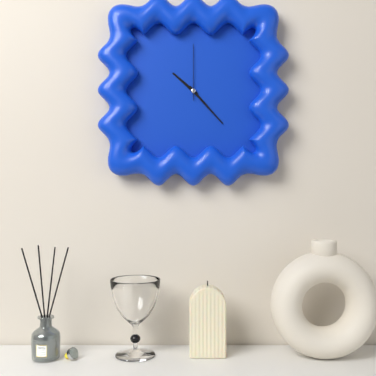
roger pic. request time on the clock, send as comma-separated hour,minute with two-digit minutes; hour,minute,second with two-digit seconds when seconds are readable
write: 10,23,00
